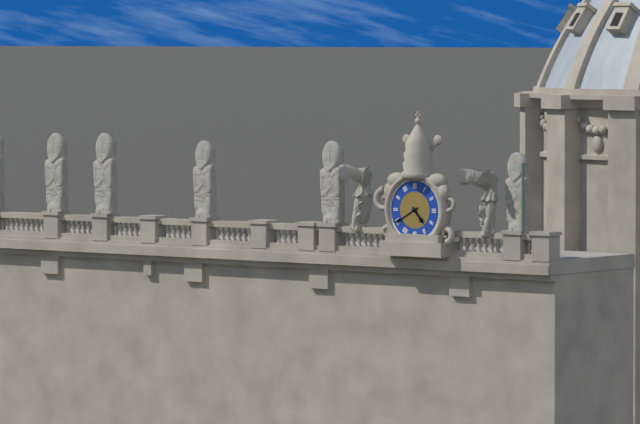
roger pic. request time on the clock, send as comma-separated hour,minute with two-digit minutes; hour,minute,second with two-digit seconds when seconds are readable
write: 4,40
